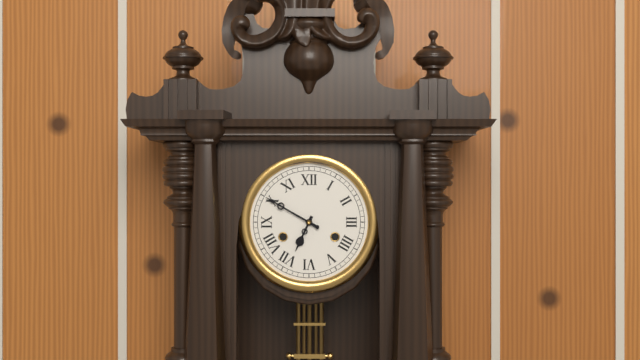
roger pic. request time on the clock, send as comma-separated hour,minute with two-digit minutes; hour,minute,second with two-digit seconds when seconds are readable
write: 6,50
